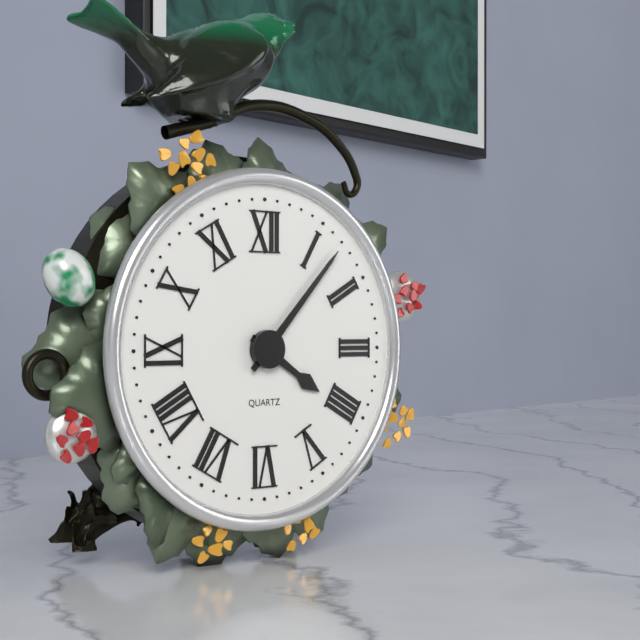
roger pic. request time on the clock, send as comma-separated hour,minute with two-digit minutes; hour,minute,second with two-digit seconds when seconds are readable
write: 4,07
